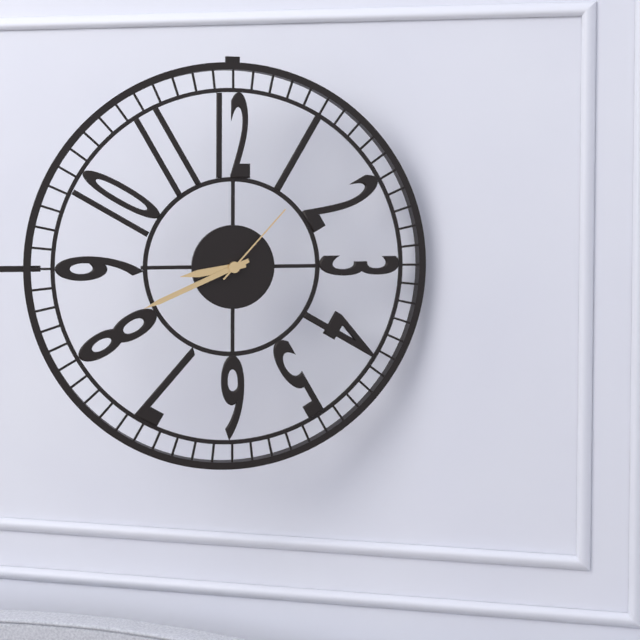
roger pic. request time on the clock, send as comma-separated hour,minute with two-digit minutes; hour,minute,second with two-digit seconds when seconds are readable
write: 8,41,07
